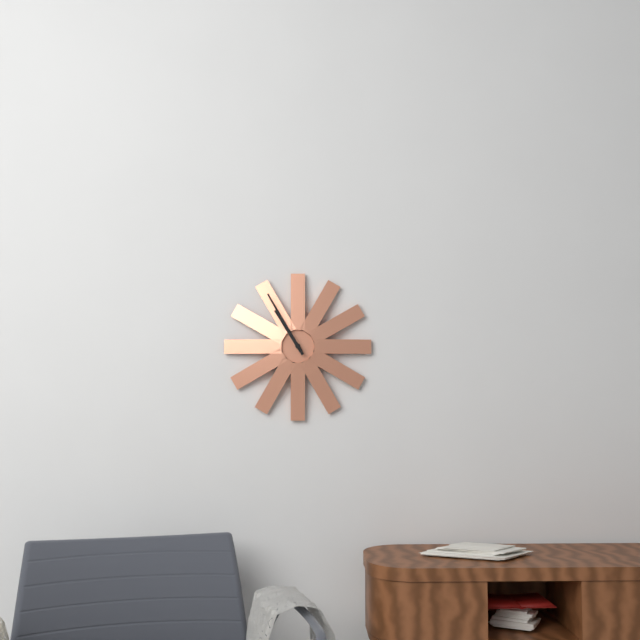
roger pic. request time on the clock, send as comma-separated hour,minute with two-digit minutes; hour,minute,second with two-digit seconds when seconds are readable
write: 10,55
